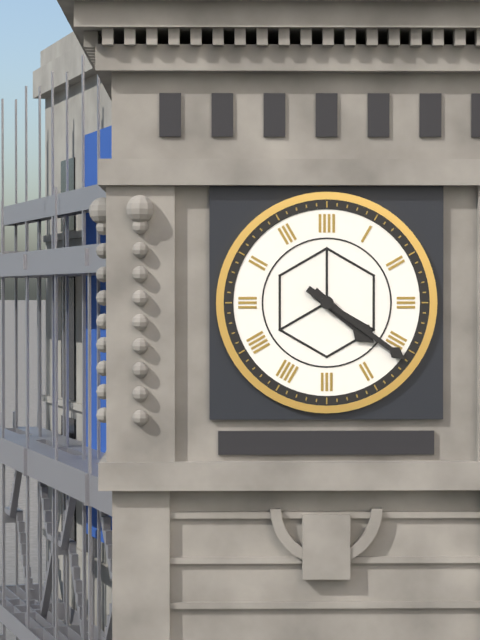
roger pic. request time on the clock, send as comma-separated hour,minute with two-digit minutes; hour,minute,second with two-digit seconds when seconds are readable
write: 4,21
